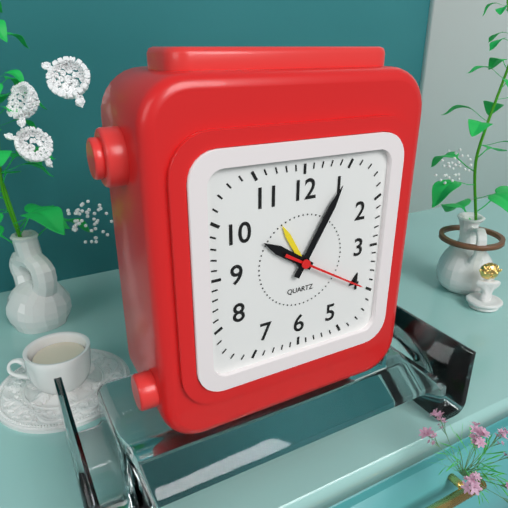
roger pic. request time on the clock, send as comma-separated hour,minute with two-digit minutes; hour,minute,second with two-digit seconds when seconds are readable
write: 10,05,20
